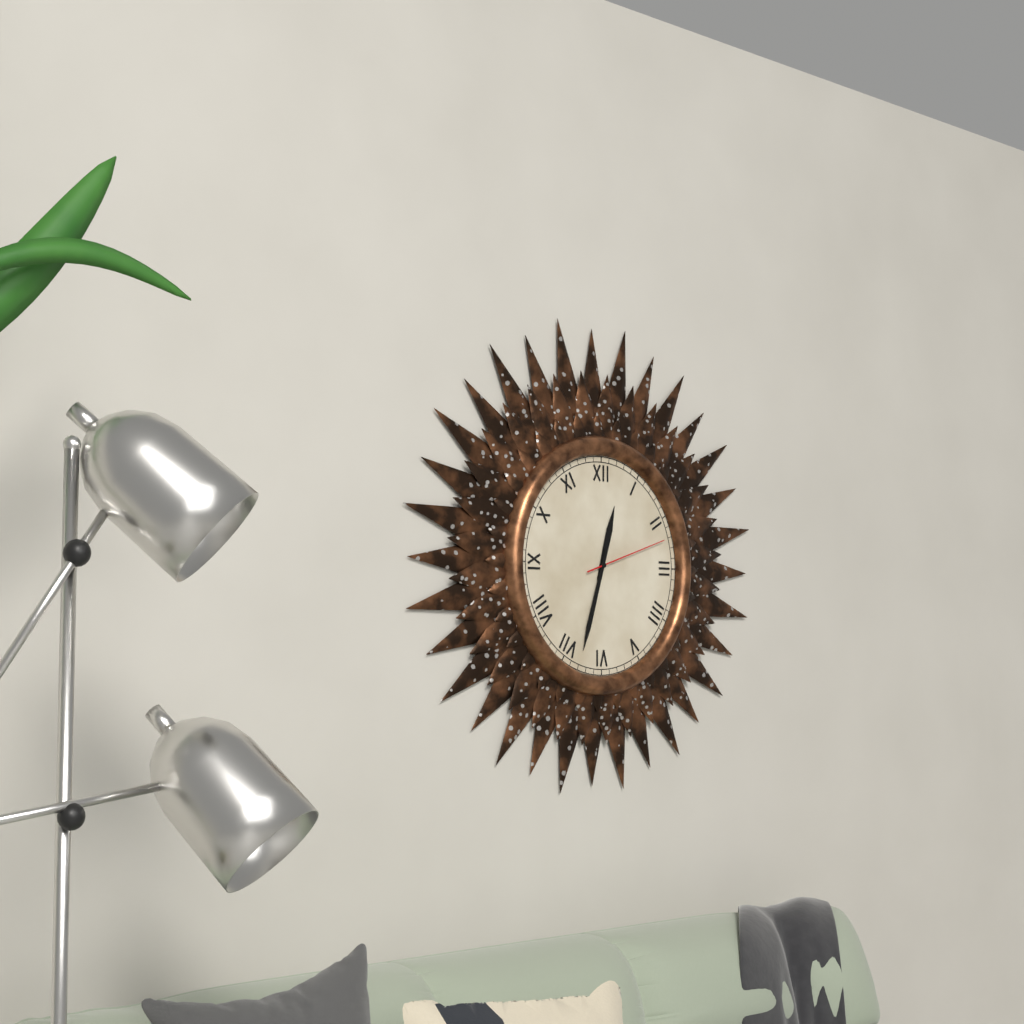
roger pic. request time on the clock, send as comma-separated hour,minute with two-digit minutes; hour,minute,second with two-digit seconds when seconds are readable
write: 12,33,12
